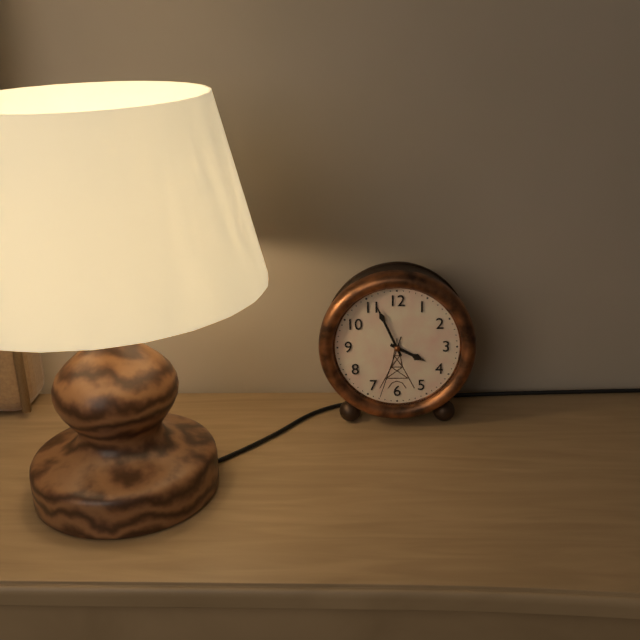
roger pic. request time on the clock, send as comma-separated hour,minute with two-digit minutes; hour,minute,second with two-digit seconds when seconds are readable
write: 3,56,33
